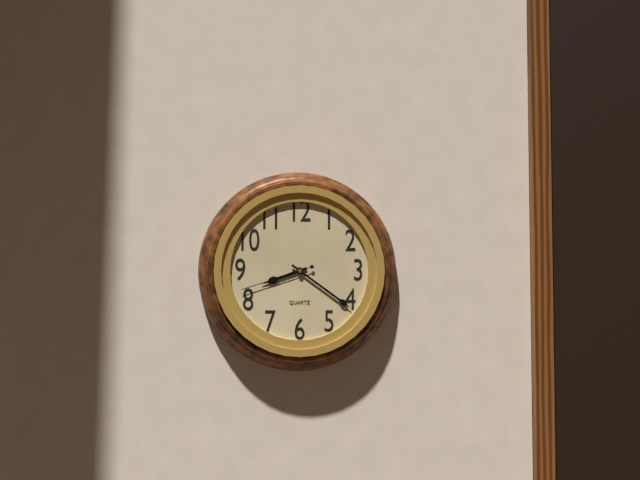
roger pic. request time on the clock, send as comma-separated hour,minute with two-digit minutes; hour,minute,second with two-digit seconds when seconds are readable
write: 8,21,42
